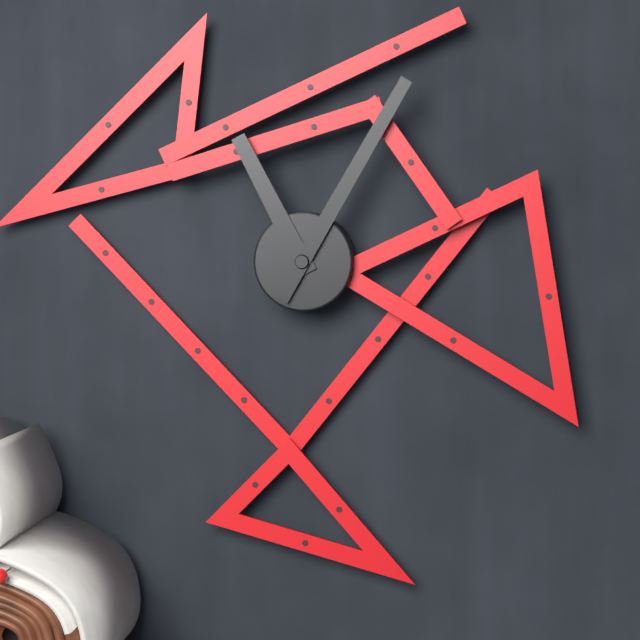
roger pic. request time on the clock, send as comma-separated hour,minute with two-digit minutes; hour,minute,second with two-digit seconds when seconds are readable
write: 11,05
